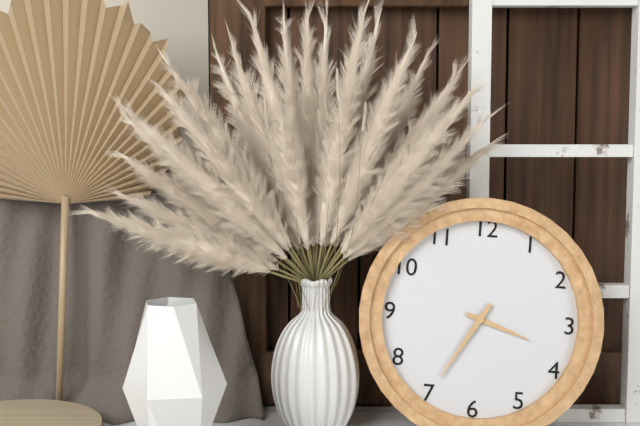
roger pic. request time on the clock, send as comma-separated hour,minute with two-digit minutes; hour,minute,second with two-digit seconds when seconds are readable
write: 3,35
